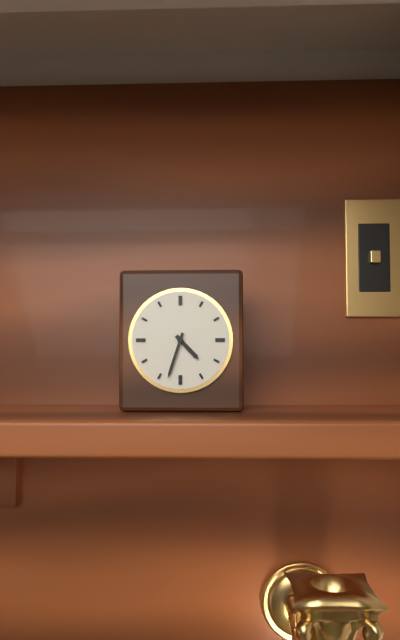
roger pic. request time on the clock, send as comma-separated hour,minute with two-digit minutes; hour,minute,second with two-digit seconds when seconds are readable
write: 4,33
